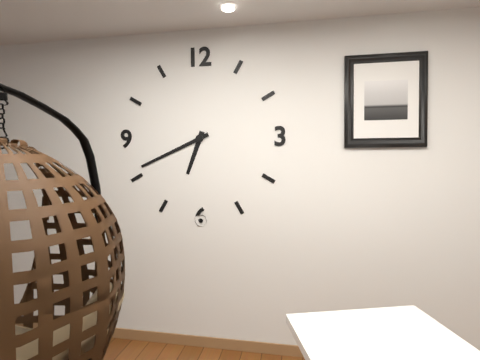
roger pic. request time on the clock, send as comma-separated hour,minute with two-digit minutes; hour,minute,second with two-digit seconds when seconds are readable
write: 6,41
